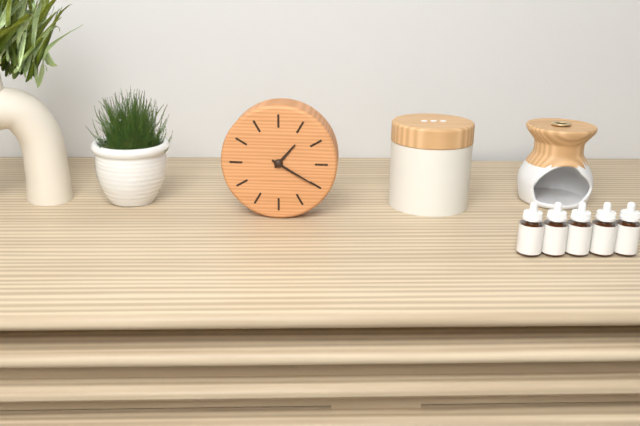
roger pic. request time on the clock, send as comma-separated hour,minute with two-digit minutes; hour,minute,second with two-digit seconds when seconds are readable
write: 1,20
